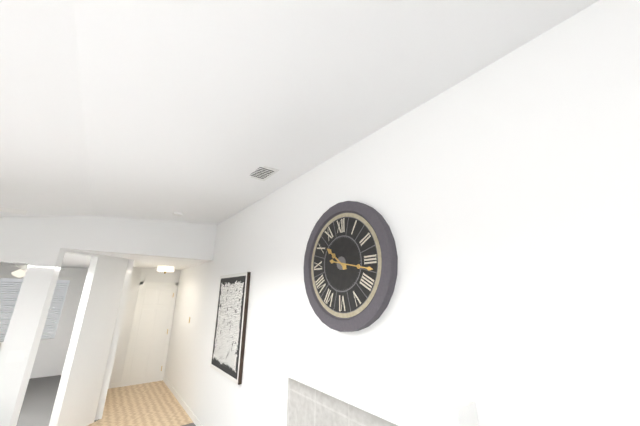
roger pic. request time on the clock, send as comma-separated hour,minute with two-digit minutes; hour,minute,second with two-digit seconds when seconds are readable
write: 10,17
